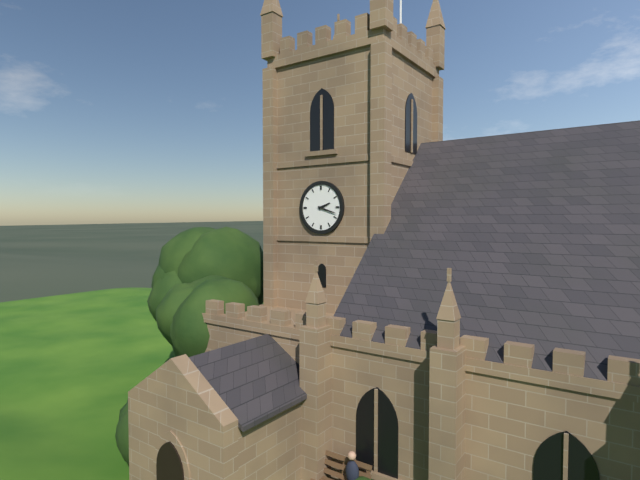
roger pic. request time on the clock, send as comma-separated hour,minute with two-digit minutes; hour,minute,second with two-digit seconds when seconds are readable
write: 2,18
